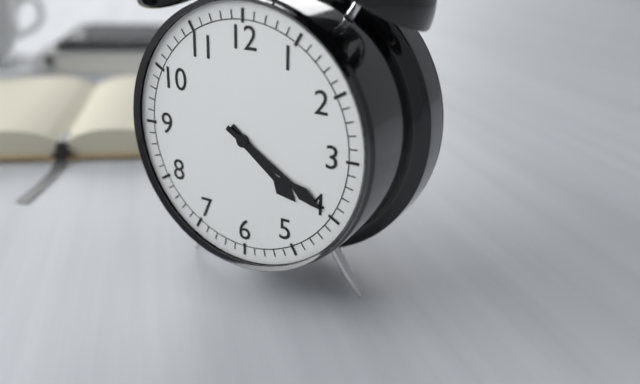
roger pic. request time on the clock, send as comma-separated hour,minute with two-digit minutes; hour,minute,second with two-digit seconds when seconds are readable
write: 4,20
